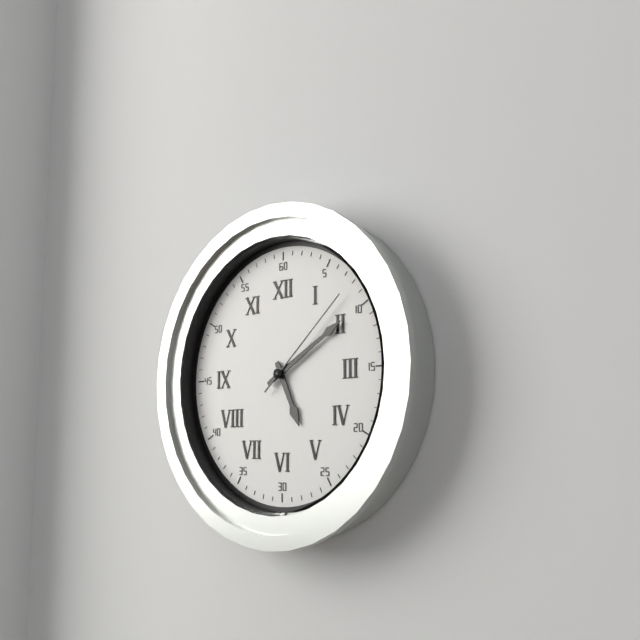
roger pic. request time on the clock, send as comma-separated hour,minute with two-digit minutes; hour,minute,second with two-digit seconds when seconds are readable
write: 5,10,08
